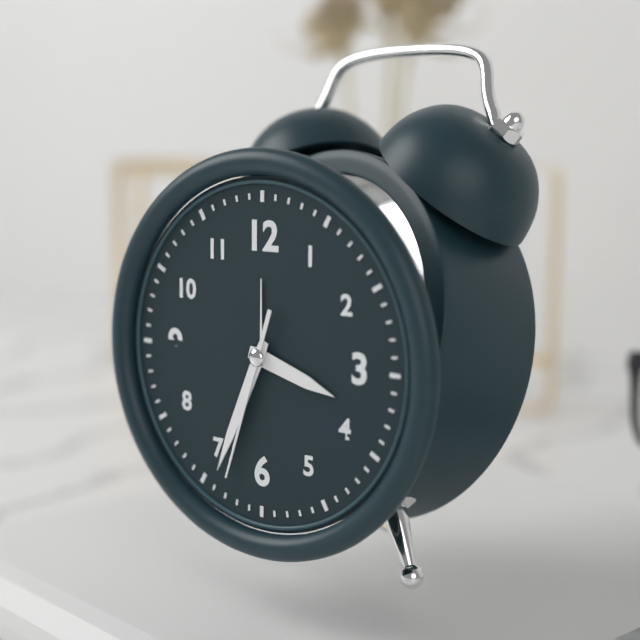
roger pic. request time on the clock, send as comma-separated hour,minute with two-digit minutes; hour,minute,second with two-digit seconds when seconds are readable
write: 3,34,33
